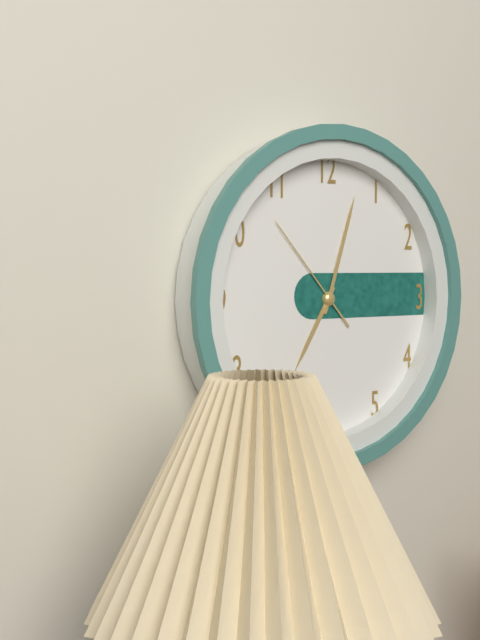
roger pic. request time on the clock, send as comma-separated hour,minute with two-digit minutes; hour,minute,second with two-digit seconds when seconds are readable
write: 7,03,53
